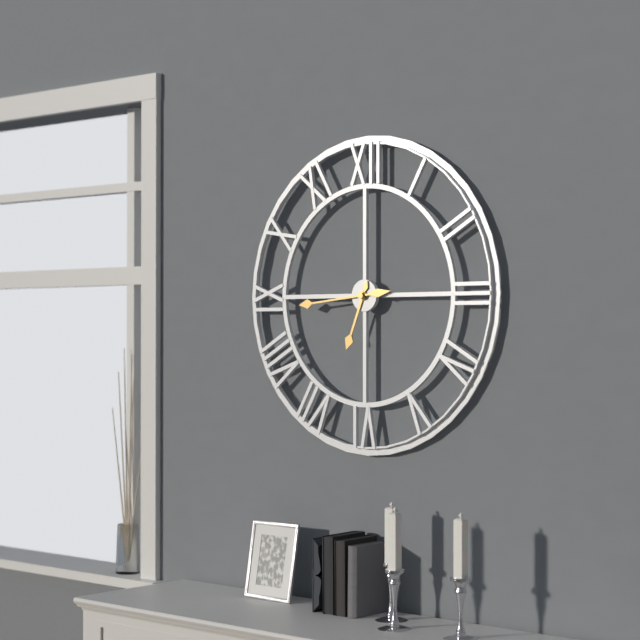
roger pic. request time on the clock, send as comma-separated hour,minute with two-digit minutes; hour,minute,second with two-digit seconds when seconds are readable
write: 6,44
